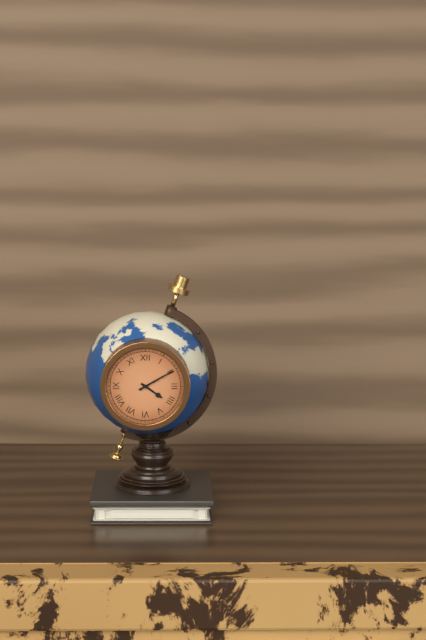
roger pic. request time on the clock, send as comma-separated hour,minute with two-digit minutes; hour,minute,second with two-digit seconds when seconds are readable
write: 4,10
